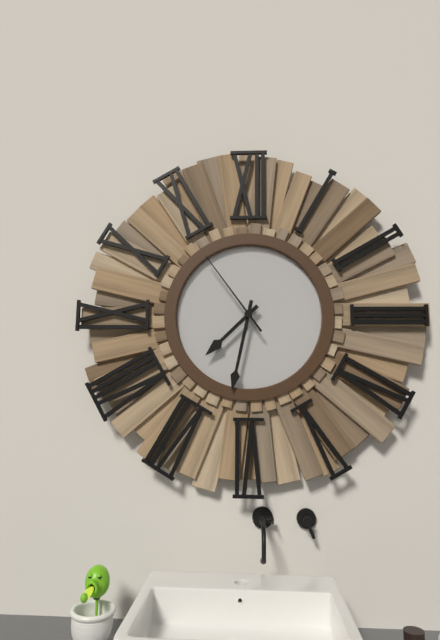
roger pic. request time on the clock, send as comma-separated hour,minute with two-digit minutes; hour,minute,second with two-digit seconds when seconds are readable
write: 7,32,54
